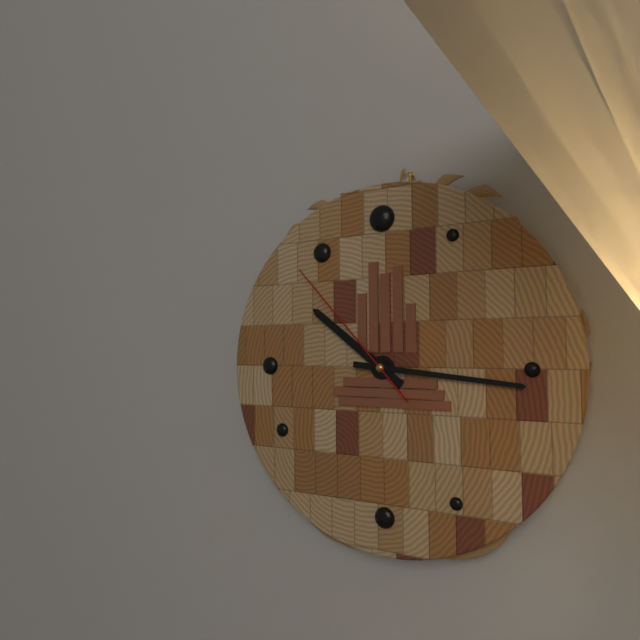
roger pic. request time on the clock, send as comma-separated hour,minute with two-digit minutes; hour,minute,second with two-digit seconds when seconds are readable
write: 10,16,53
